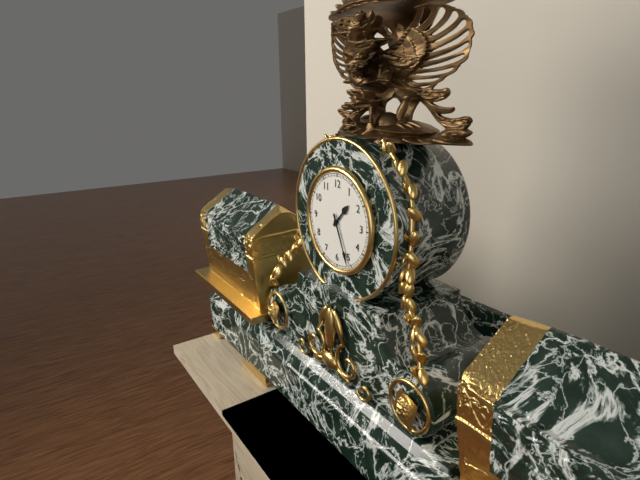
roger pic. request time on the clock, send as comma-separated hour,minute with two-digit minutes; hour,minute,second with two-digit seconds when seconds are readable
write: 1,26
